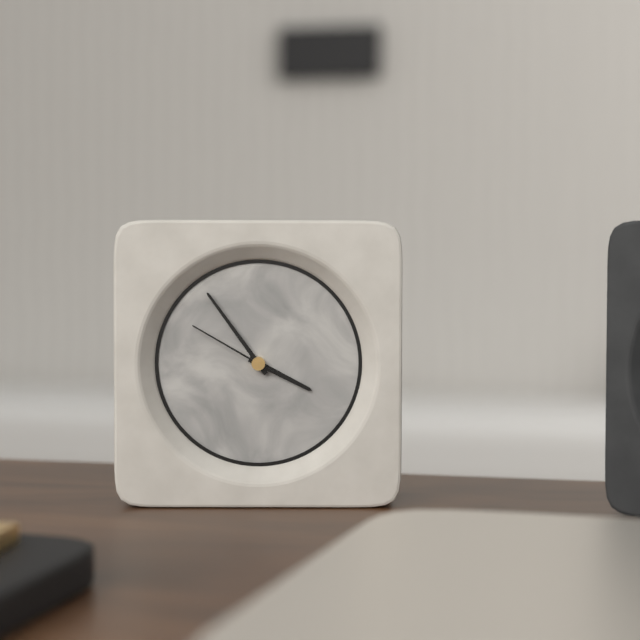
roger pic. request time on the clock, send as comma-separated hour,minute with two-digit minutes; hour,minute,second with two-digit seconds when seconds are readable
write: 3,54,50
